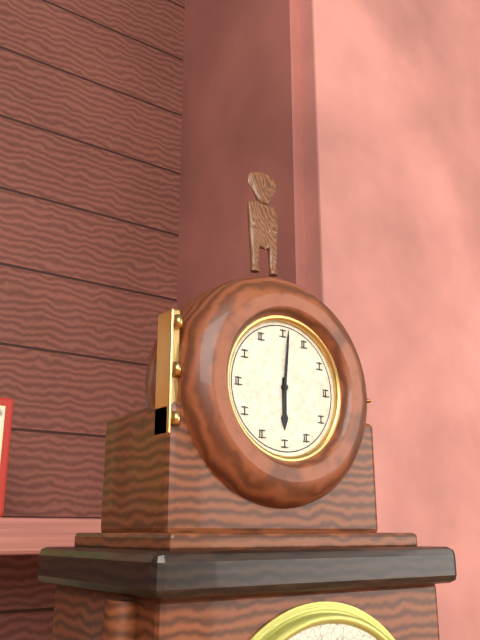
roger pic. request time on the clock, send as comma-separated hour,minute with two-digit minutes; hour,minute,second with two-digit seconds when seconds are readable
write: 6,01
